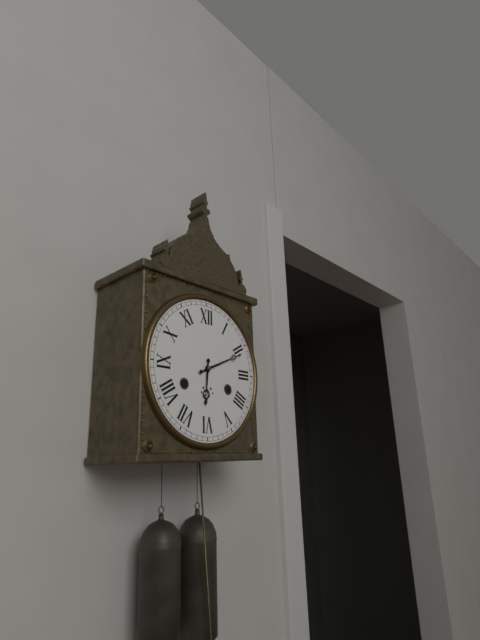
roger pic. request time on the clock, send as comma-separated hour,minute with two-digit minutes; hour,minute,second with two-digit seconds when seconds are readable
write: 6,11
